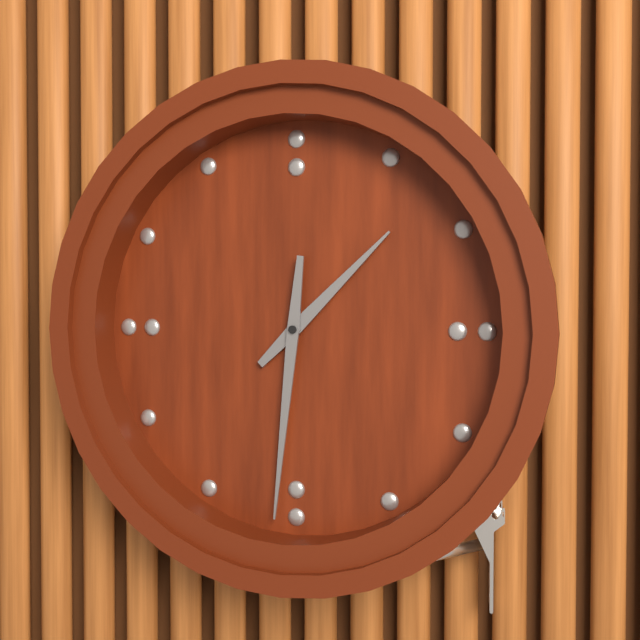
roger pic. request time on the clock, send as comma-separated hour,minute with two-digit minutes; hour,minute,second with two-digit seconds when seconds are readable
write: 1,31
